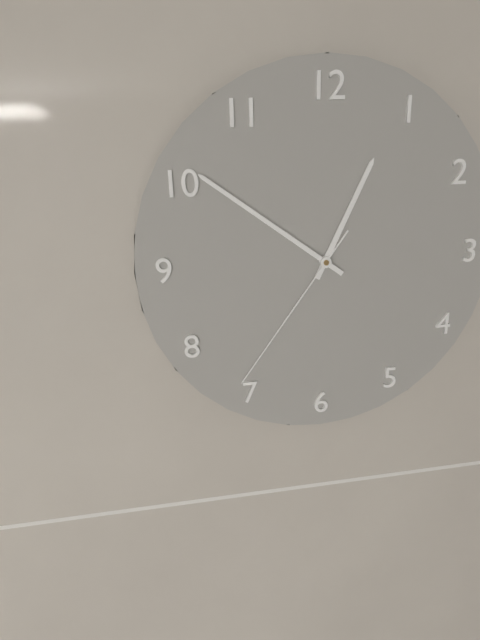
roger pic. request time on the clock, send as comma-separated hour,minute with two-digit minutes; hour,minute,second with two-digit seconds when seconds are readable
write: 12,51,36
